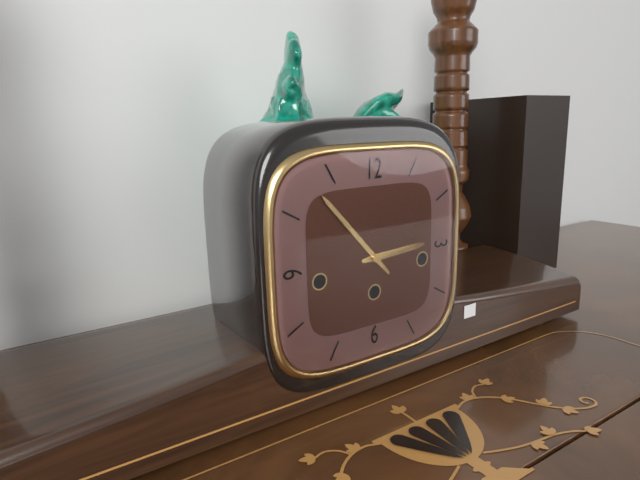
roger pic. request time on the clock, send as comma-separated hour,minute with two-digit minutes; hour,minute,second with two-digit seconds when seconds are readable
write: 2,53
